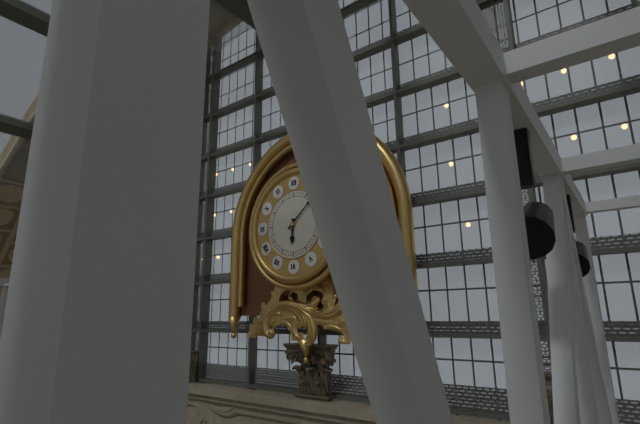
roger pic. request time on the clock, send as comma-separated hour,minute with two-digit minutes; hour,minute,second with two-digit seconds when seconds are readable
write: 6,08
